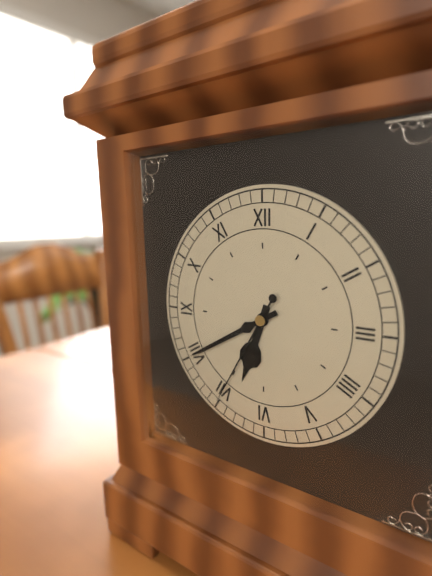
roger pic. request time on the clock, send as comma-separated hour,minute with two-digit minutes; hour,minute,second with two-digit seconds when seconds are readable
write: 6,40,35
